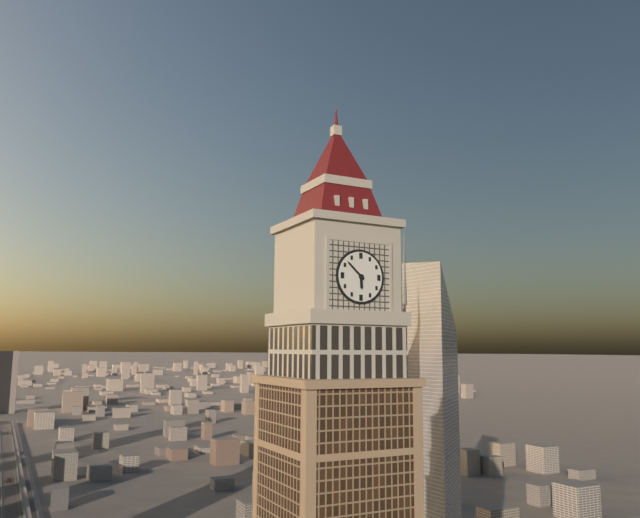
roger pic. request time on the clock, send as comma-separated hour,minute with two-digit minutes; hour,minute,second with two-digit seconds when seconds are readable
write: 5,52
